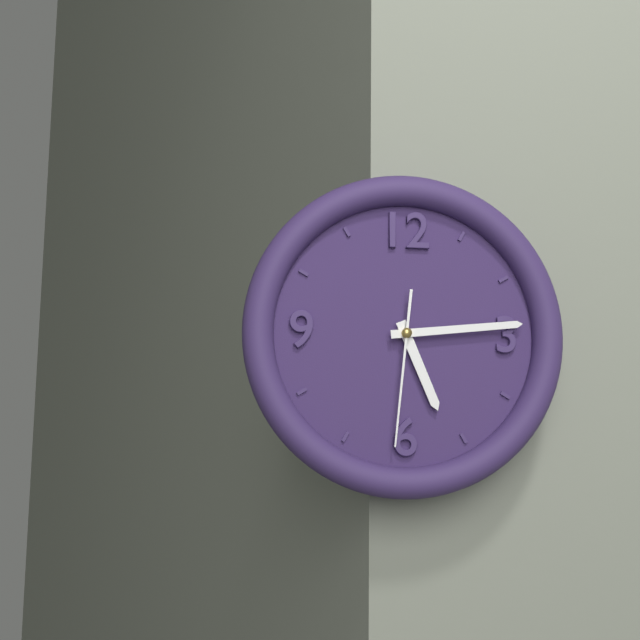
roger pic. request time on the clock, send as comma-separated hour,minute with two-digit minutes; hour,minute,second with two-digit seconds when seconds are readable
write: 5,14,31
